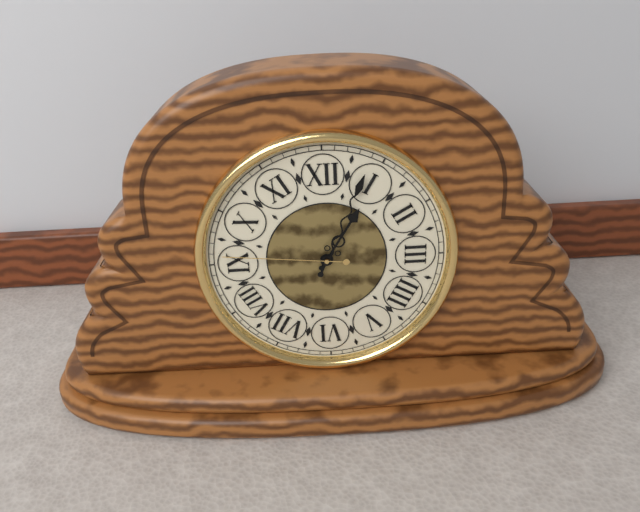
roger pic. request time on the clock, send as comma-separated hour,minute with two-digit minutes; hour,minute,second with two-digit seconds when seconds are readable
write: 1,04,46
